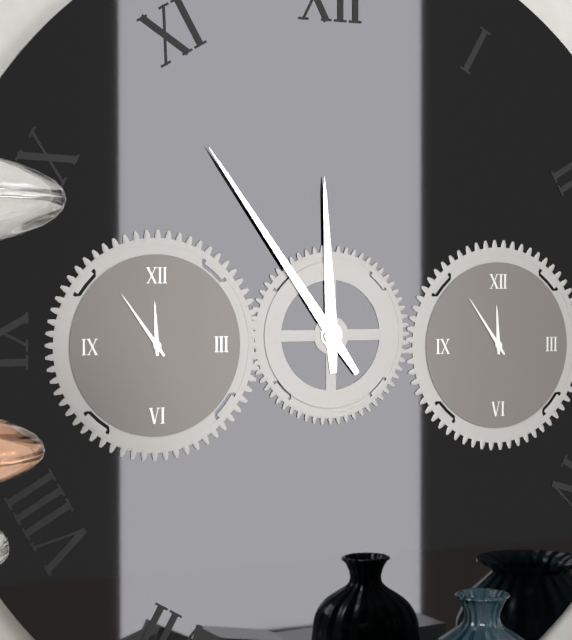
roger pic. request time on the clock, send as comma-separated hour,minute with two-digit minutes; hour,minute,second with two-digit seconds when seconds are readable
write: 11,54
